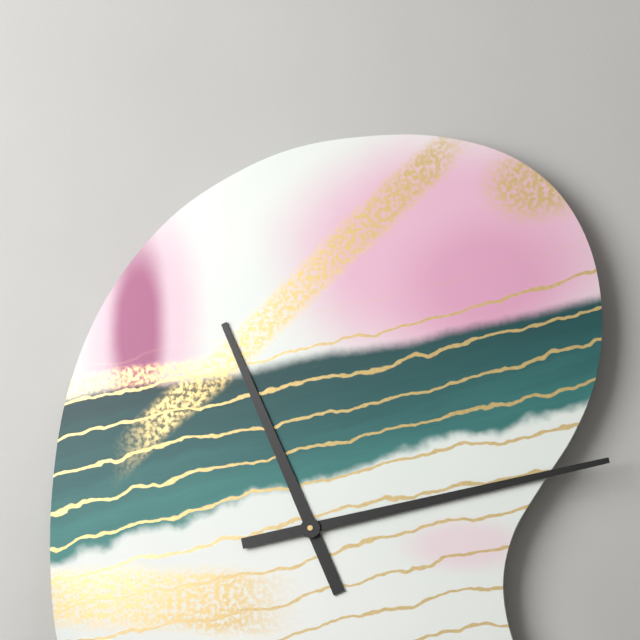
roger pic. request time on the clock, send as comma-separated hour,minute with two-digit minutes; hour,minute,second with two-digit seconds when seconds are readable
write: 11,13
